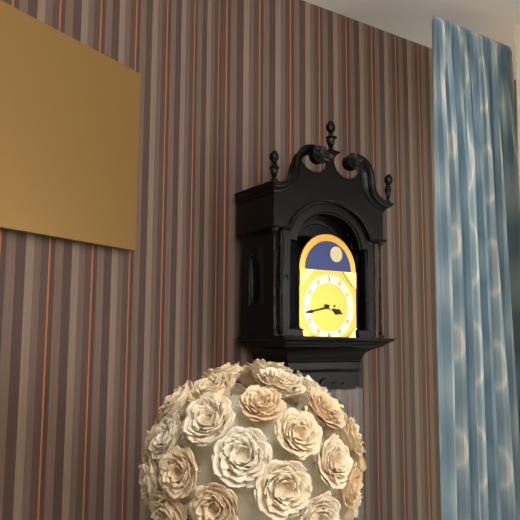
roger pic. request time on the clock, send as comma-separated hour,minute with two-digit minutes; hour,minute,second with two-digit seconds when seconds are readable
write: 3,43
